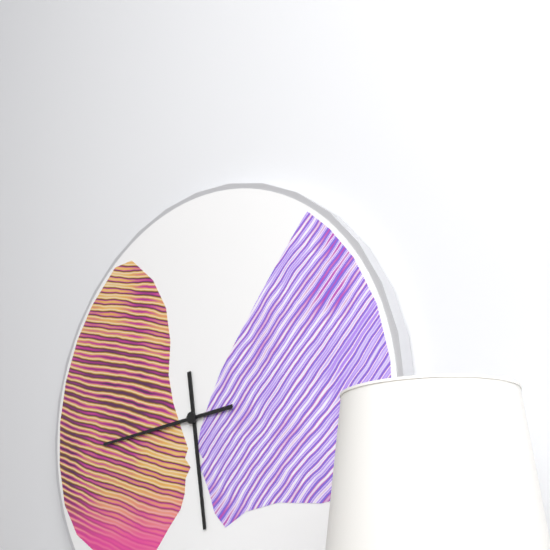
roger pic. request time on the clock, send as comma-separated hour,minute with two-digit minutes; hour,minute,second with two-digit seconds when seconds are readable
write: 5,44
